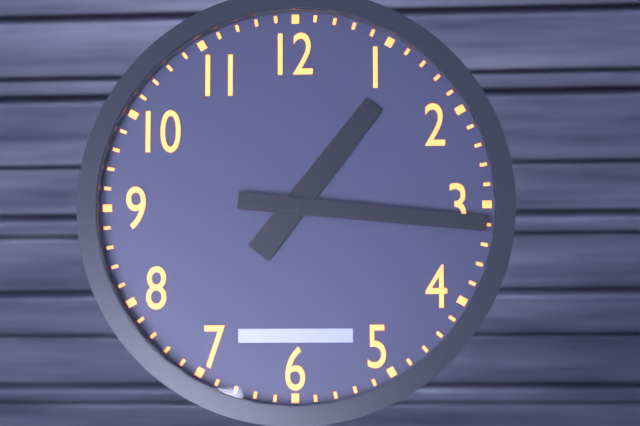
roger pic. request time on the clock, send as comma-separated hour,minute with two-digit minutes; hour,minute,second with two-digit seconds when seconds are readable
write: 1,16
